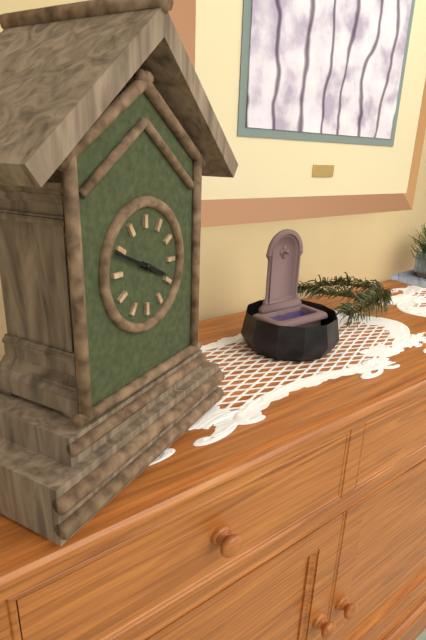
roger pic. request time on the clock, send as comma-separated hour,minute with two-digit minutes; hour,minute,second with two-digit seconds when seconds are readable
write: 3,49
